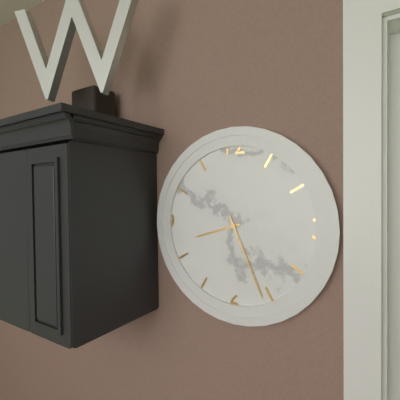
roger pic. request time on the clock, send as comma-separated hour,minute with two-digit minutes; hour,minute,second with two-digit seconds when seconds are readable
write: 8,26
